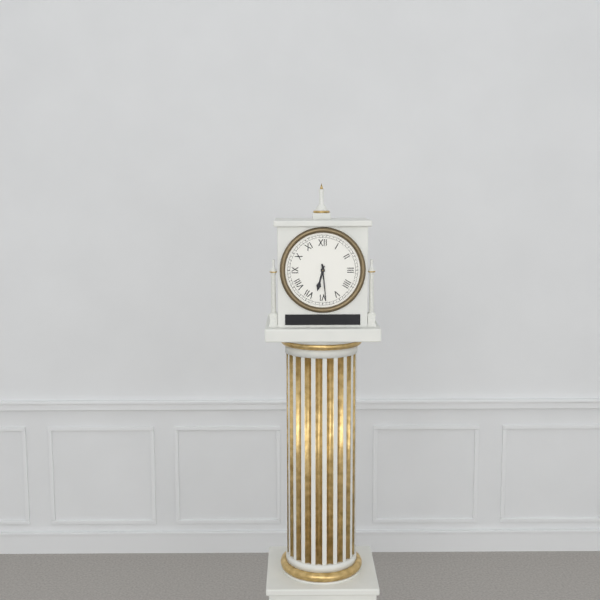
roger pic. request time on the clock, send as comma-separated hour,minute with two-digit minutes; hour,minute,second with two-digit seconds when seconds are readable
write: 6,29
